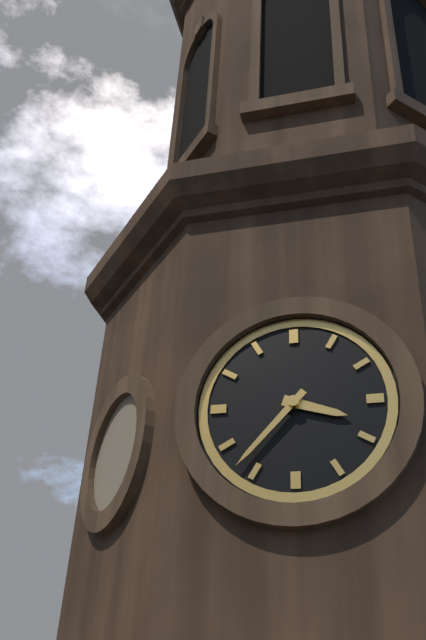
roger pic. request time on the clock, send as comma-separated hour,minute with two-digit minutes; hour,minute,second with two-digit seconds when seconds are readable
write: 3,37
